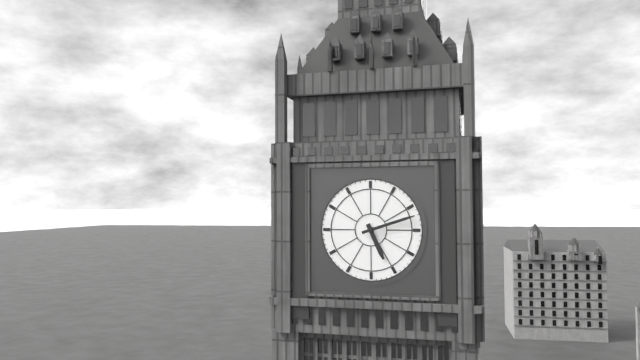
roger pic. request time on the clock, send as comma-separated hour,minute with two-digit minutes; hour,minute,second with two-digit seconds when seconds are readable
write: 5,12
